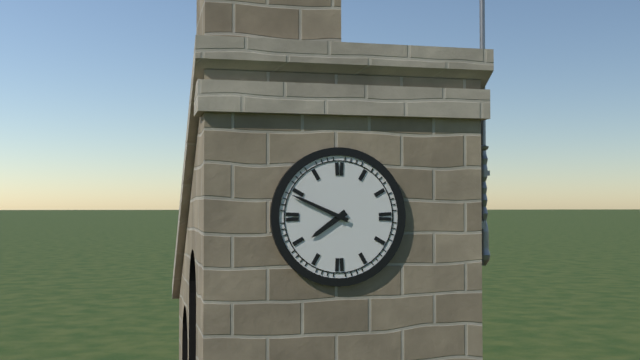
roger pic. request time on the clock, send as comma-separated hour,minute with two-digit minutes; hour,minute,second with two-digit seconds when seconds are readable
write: 7,49
